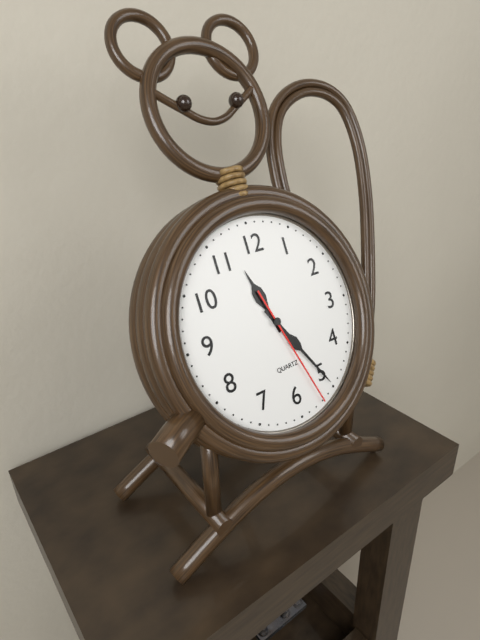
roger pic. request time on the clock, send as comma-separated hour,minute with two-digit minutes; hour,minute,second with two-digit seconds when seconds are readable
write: 11,25,27
